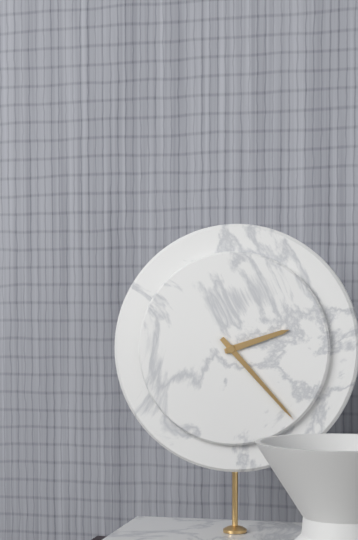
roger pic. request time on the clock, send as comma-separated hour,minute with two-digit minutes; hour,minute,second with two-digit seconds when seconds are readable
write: 2,23
